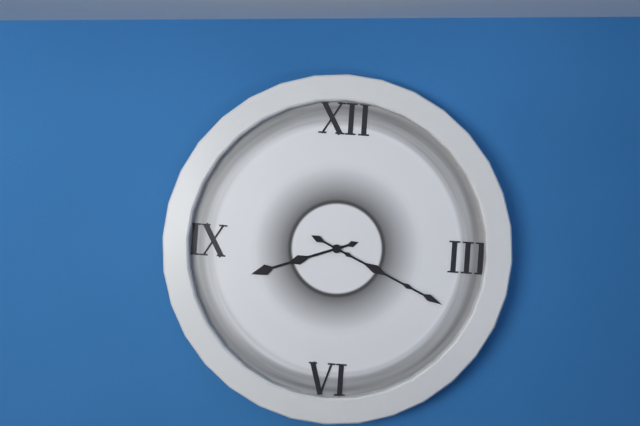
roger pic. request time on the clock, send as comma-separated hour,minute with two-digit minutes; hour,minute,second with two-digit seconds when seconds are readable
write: 8,19
